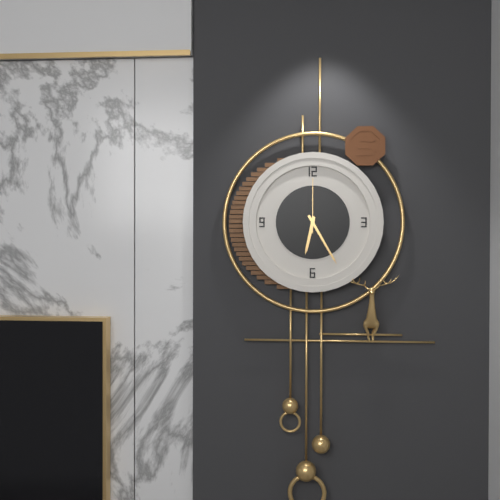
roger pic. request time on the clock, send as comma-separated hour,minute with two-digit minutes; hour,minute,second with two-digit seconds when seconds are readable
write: 6,25,00
